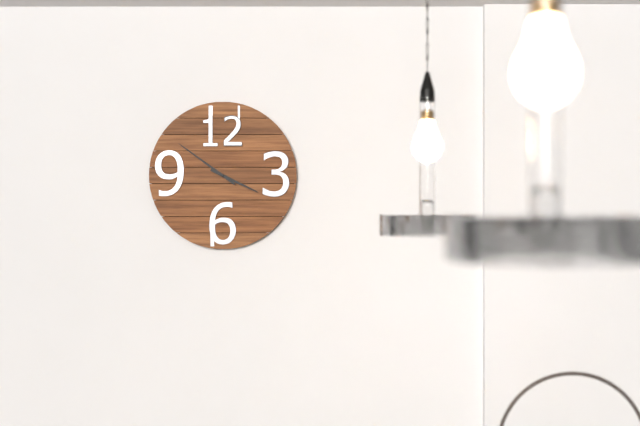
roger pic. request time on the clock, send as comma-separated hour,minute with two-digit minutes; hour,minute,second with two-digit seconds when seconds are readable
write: 3,51
